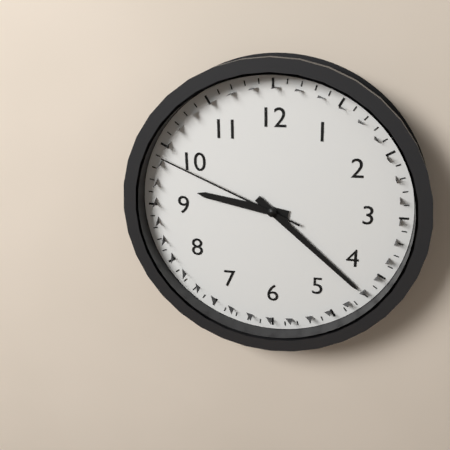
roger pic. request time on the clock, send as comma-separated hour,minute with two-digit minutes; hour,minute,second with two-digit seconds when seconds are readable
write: 9,22,49
